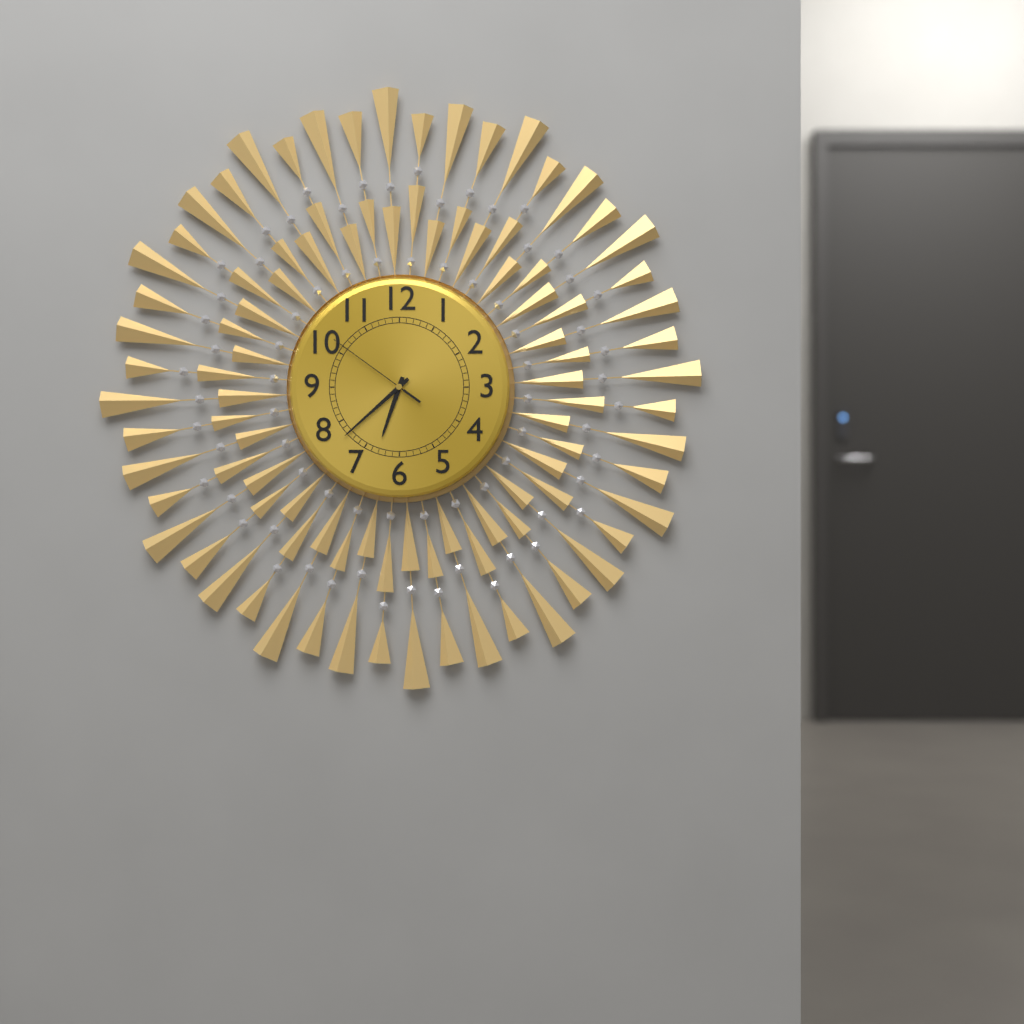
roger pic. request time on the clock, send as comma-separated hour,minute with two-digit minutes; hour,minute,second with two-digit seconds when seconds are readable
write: 6,38,51
